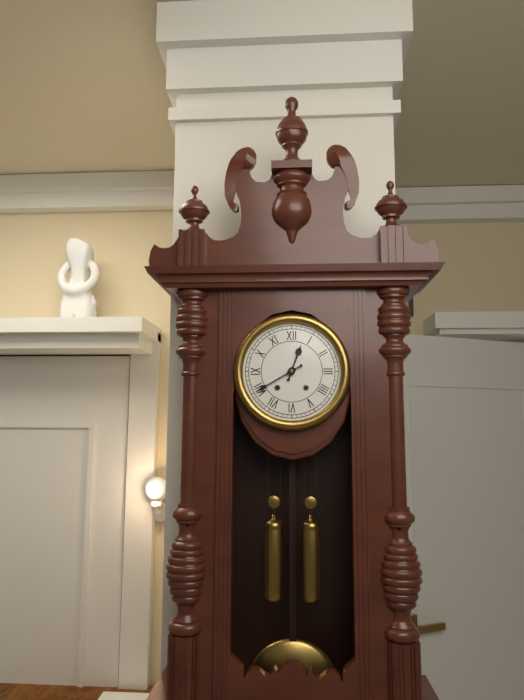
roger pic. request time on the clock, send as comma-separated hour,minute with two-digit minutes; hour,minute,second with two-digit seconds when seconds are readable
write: 12,40
